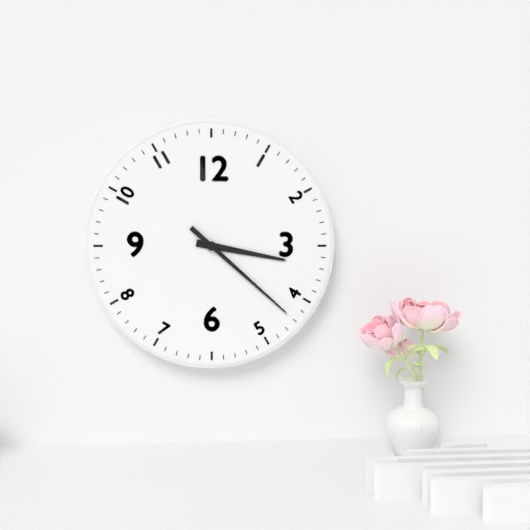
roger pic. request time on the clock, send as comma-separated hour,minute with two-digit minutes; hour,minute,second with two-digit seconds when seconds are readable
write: 3,22
